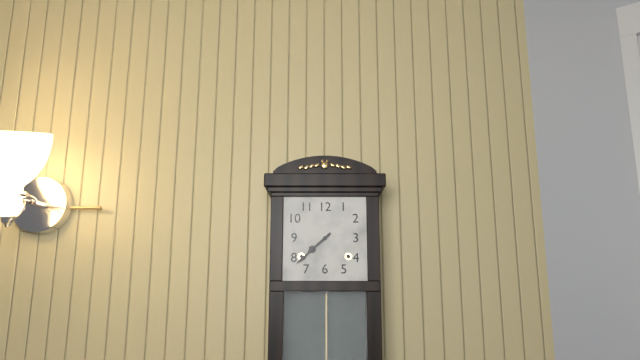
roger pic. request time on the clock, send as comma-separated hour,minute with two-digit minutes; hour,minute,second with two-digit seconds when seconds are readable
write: 7,38
